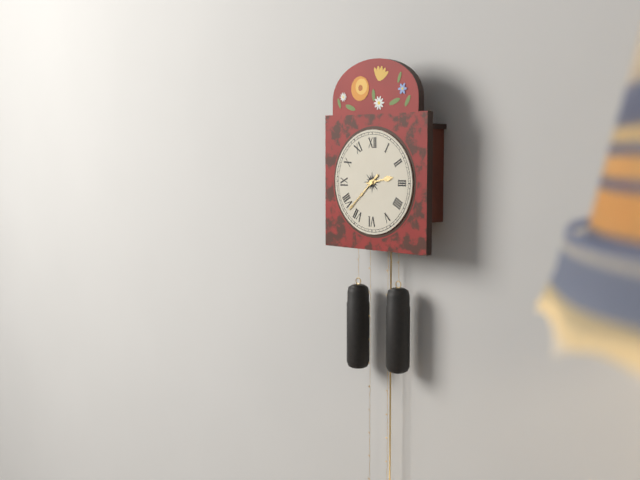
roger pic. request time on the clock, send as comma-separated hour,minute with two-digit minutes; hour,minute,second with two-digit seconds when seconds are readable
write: 2,38
